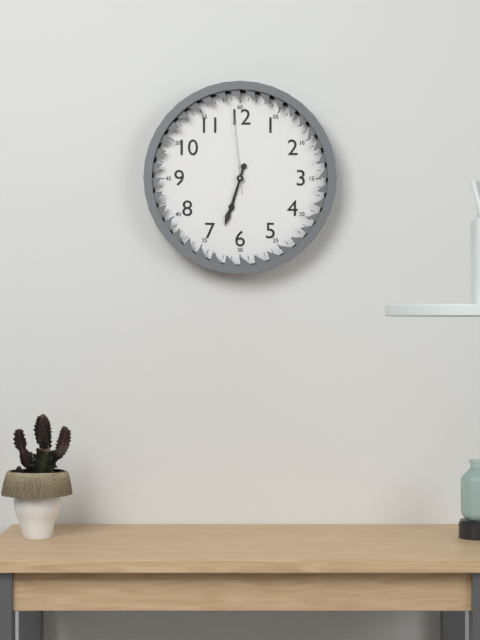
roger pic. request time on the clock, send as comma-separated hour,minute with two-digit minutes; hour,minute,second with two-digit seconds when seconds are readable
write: 6,33,59
